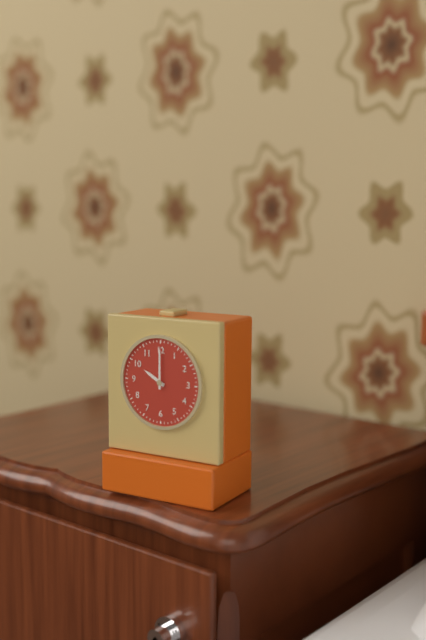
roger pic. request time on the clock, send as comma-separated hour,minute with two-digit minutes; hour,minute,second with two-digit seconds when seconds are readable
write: 10,00
